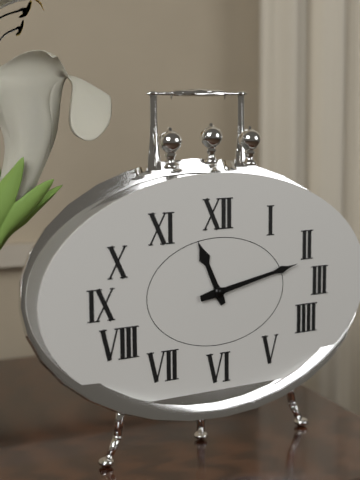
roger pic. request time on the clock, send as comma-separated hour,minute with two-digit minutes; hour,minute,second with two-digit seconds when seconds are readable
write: 11,13
